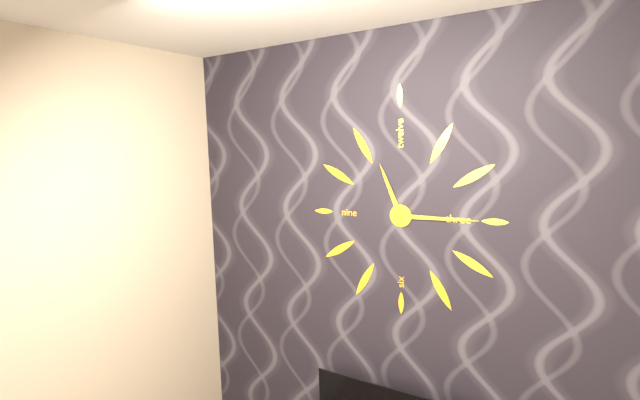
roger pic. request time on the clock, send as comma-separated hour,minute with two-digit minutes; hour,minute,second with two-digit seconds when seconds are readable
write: 11,15
